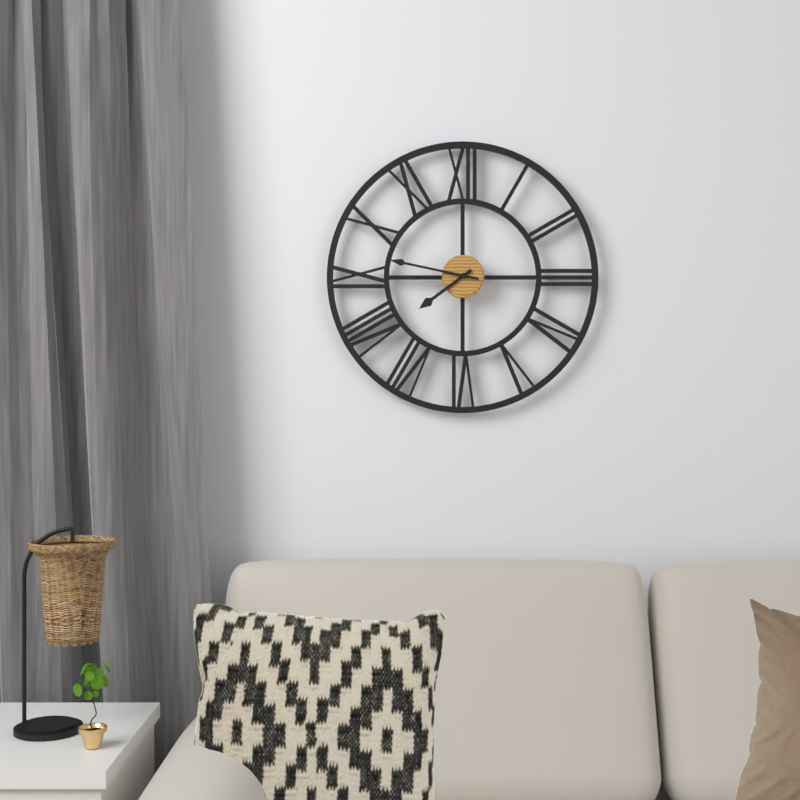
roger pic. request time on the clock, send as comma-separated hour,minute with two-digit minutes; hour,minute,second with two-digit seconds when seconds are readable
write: 7,47
